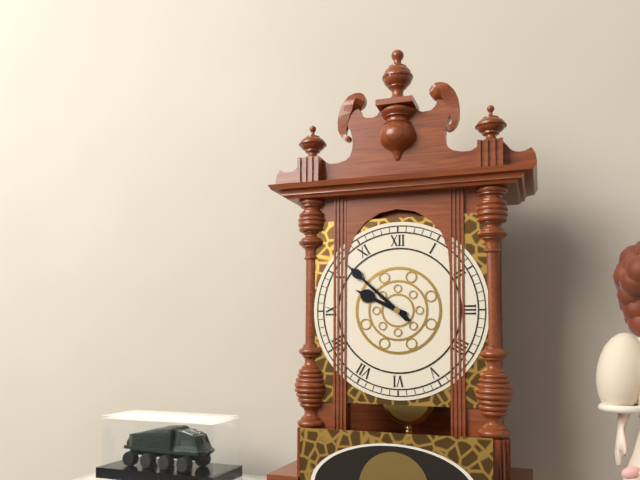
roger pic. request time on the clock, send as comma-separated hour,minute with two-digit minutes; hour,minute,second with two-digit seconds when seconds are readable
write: 9,52
